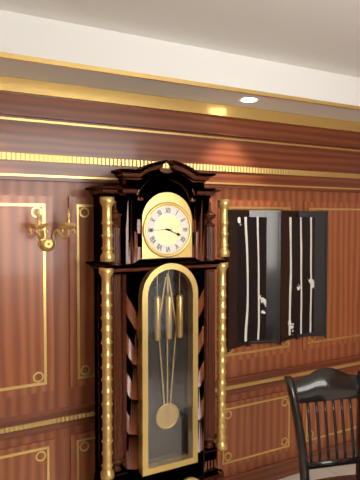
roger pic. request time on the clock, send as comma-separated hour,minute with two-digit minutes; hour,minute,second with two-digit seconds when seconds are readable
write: 3,45
